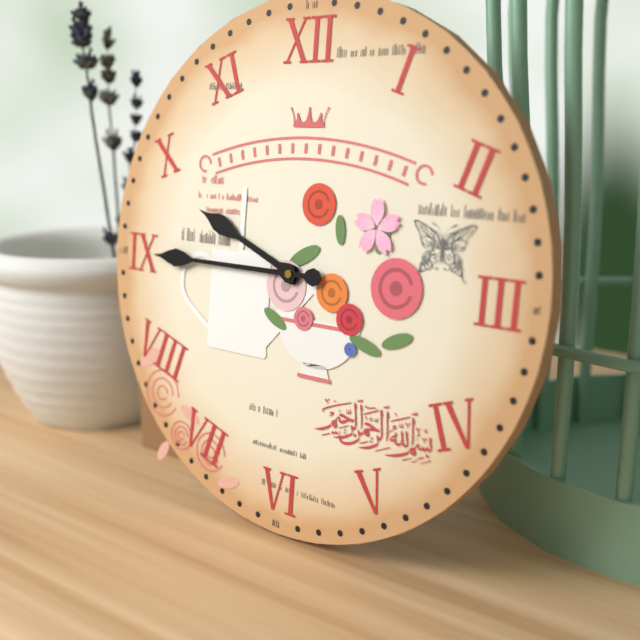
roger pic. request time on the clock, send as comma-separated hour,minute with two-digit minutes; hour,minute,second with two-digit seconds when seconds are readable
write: 9,45
